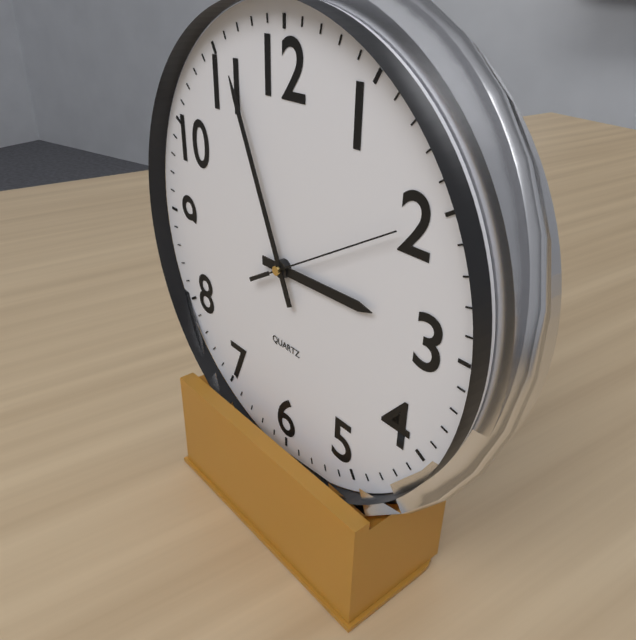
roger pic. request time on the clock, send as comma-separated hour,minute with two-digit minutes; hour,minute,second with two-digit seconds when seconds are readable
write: 2,56,10
